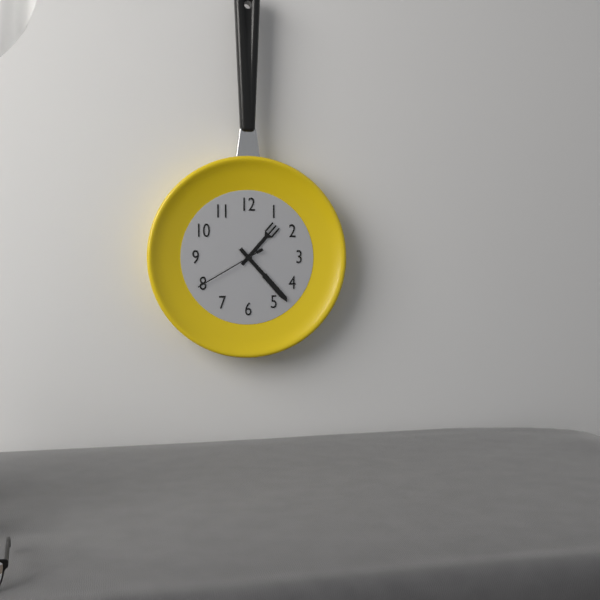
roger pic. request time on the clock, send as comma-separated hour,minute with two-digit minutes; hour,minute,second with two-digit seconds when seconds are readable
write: 1,23,40
